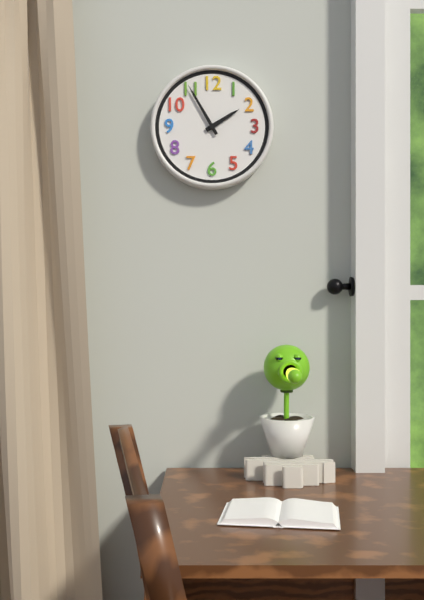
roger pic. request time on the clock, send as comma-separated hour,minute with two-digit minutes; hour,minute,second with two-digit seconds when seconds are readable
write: 1,55
